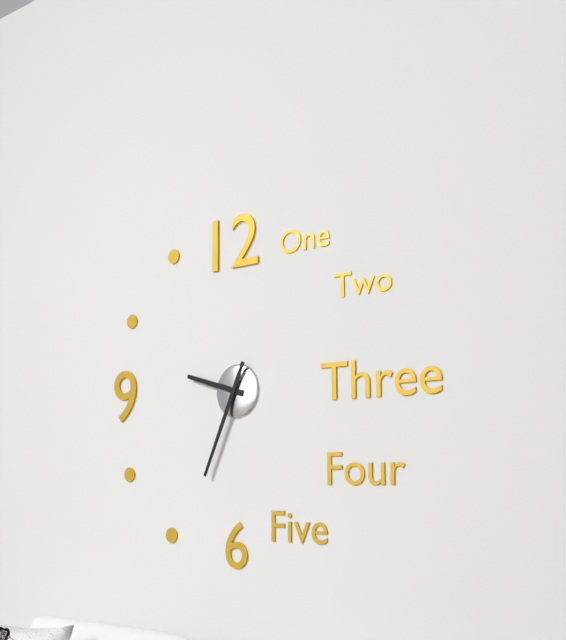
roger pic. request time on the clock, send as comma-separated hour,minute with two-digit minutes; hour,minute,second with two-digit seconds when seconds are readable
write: 9,34
